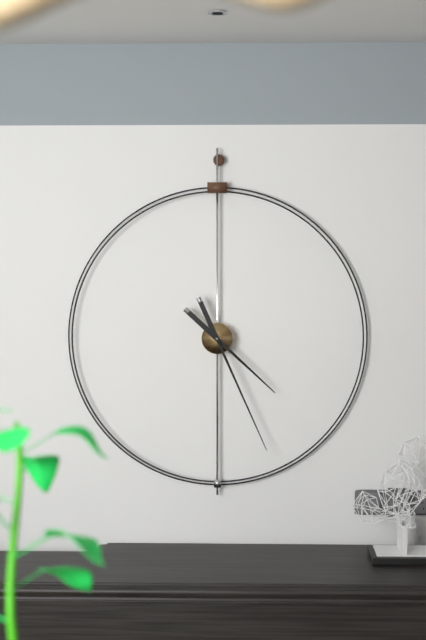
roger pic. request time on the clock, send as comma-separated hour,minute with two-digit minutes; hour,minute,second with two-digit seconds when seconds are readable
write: 4,26
